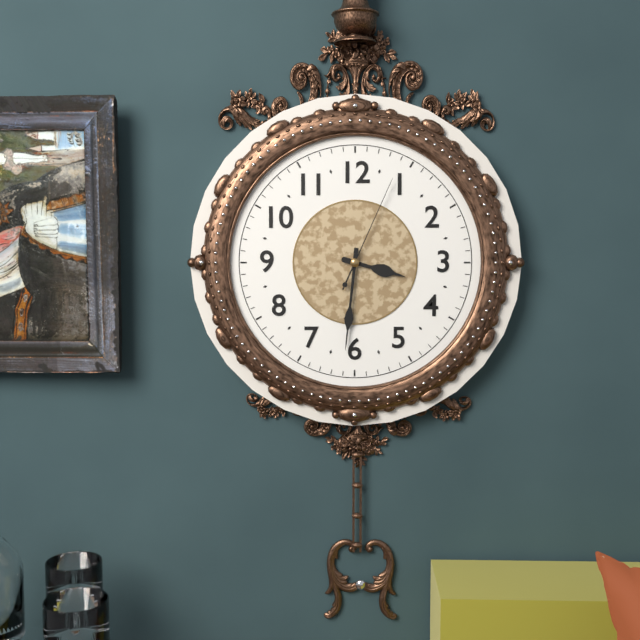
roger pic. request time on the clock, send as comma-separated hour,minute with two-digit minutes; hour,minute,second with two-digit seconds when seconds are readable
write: 3,31,04
